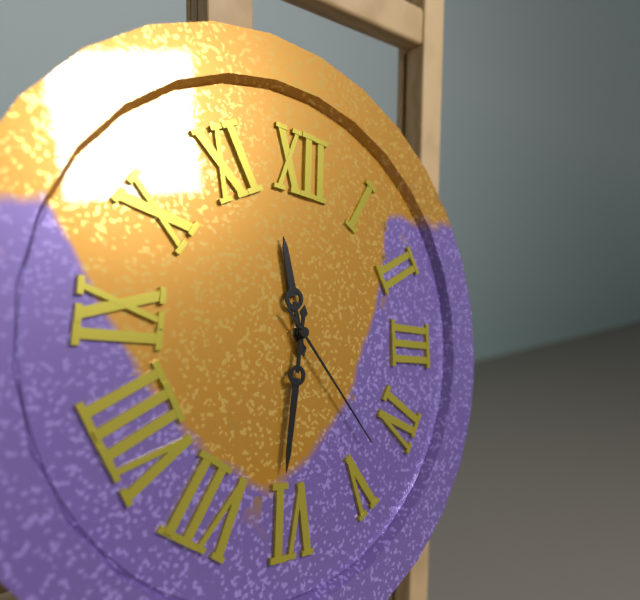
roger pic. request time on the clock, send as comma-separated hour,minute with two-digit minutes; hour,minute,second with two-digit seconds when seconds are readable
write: 11,31,23
